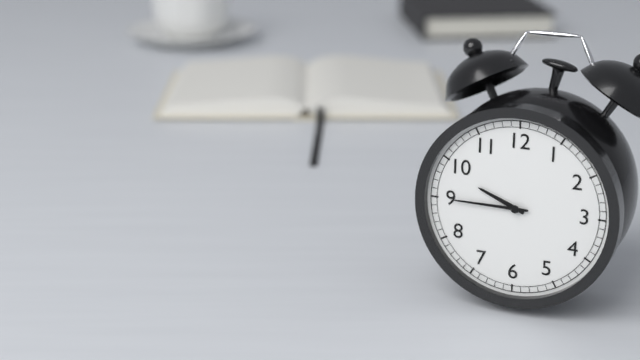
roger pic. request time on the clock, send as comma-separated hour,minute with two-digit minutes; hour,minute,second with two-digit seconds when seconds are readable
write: 9,45
